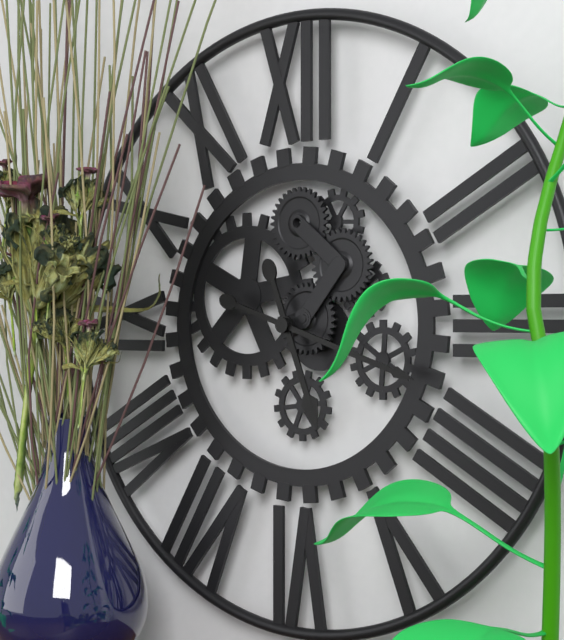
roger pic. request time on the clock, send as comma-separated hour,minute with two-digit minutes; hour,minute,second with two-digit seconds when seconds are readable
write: 5,18
